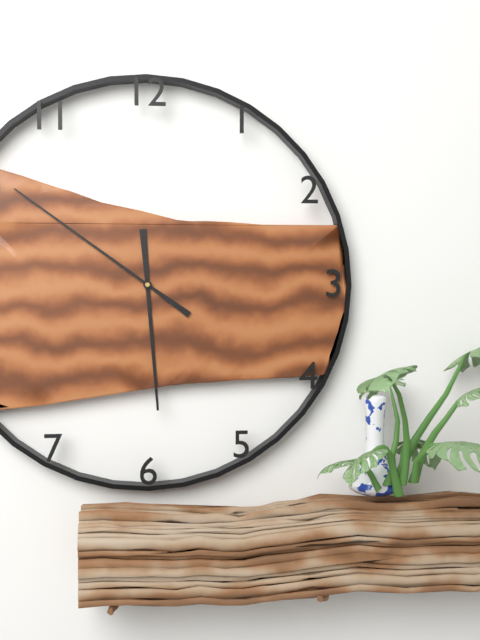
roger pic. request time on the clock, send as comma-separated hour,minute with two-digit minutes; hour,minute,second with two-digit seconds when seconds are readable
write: 5,51
